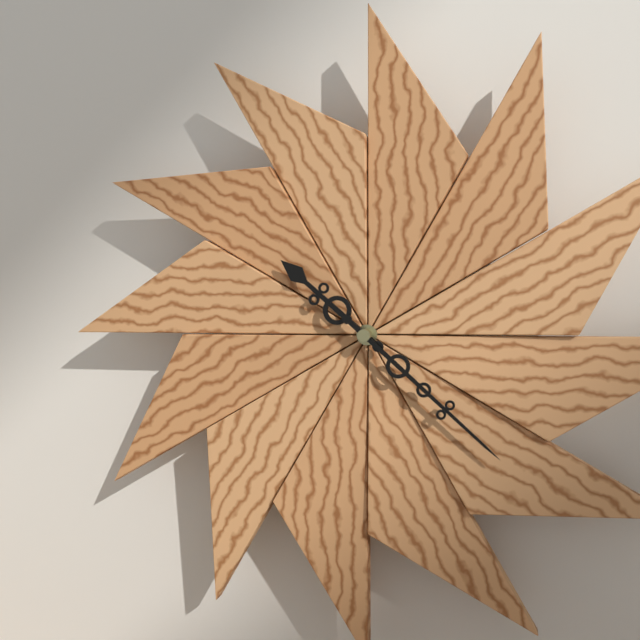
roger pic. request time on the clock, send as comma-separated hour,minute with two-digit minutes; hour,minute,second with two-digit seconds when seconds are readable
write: 10,22
